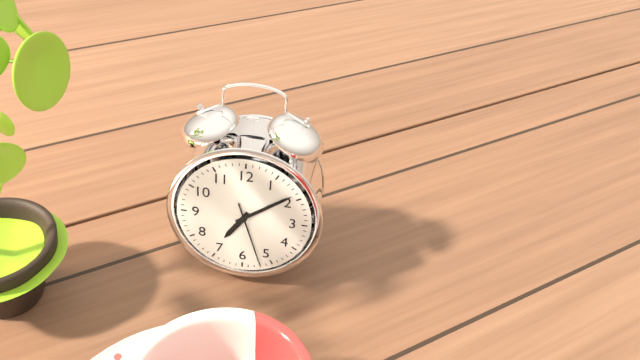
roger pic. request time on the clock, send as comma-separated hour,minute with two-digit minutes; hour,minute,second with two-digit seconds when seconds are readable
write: 7,09,27
